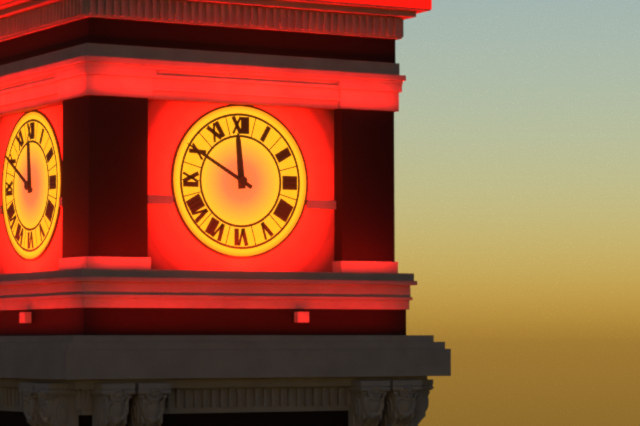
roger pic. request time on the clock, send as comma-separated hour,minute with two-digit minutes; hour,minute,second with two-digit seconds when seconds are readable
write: 11,50
